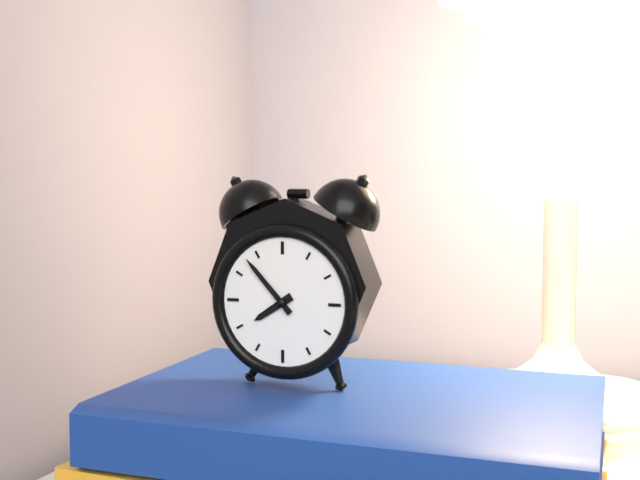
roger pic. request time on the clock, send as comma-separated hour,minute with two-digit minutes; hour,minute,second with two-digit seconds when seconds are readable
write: 7,53
